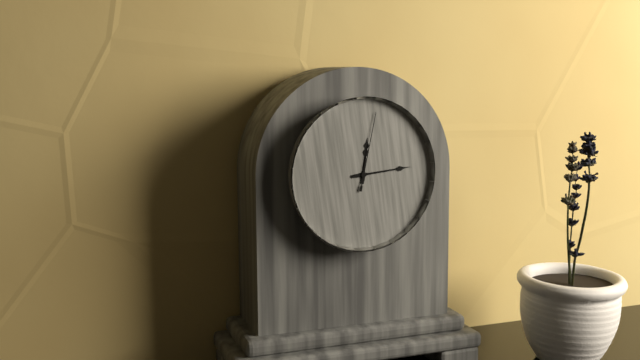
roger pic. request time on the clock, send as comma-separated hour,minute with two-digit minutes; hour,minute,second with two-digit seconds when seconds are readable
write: 12,14,02
